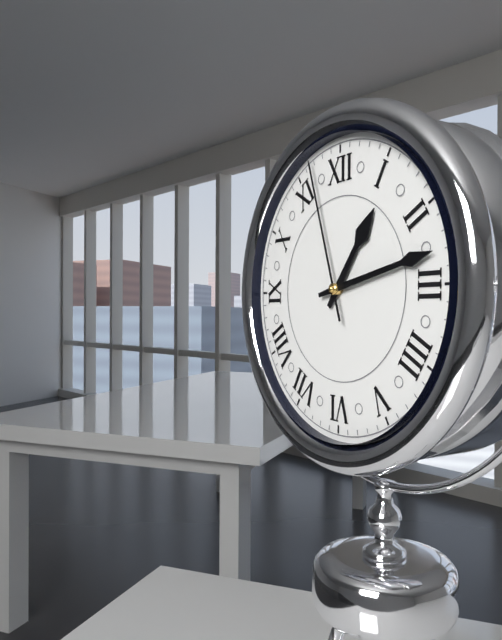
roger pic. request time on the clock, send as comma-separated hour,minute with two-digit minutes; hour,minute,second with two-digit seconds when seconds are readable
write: 1,13,57
